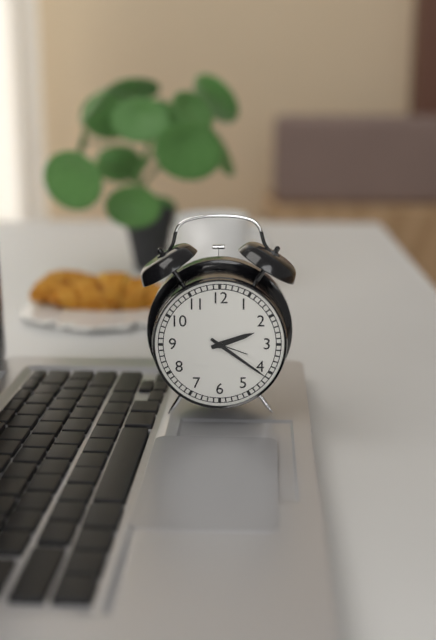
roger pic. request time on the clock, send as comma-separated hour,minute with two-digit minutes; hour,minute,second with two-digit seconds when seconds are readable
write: 2,21
